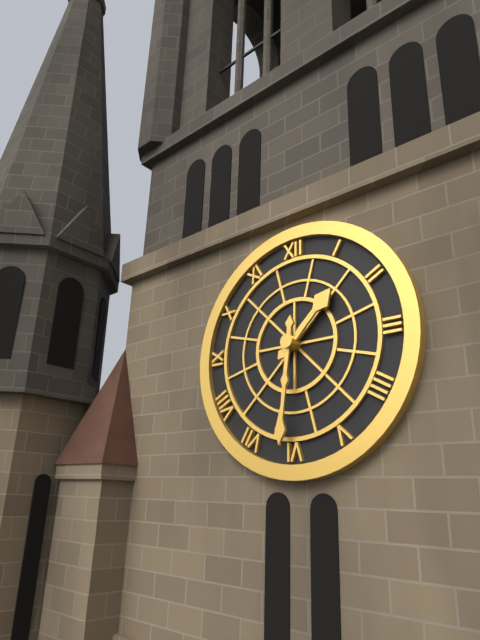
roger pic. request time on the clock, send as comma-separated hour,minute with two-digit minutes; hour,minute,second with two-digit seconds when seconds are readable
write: 1,31
